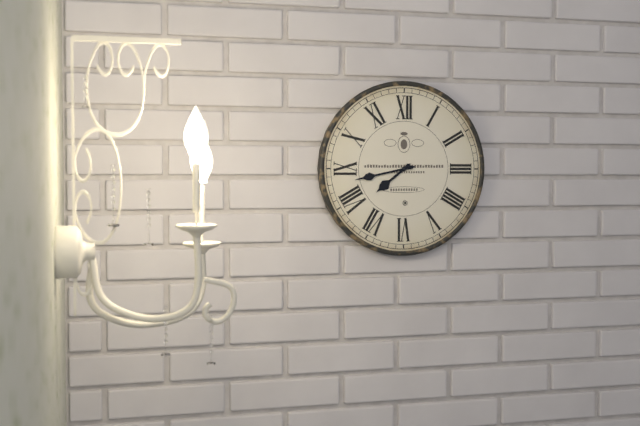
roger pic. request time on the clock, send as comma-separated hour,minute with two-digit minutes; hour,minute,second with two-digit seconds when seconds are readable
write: 7,43
